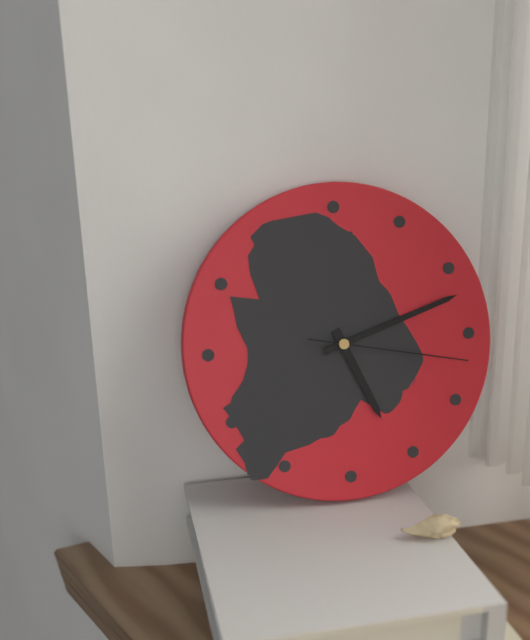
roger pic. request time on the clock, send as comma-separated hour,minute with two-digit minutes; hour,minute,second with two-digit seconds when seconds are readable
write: 5,12,17
